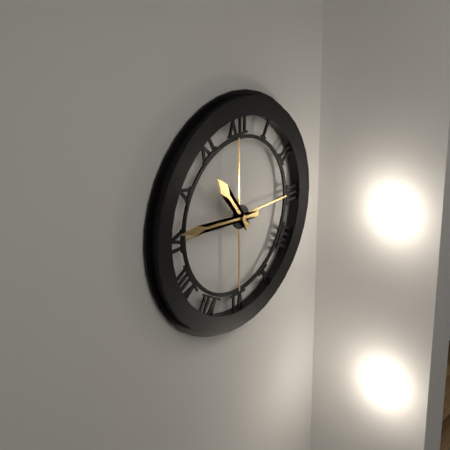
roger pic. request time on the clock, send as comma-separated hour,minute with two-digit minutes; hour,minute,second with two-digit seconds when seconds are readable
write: 10,46
